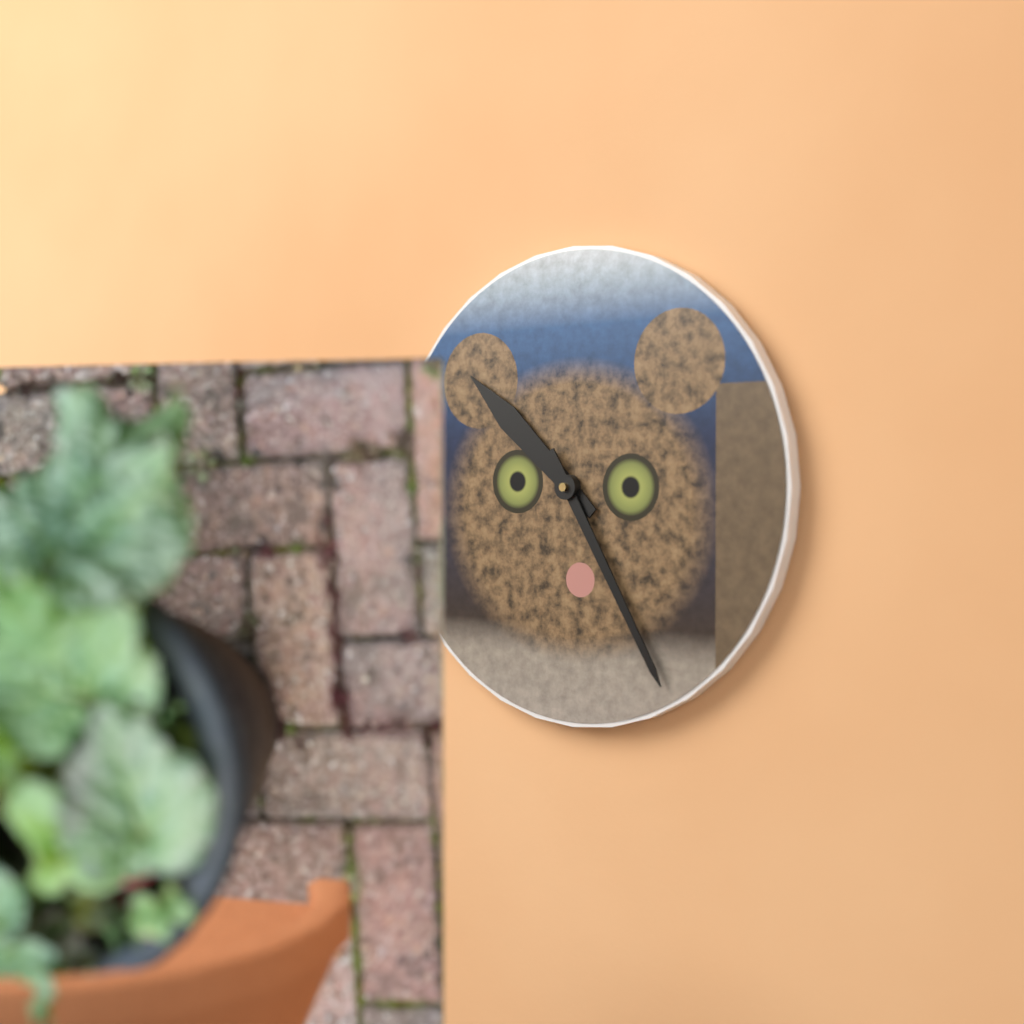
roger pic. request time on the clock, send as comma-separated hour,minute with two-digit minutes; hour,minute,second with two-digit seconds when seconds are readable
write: 10,25
